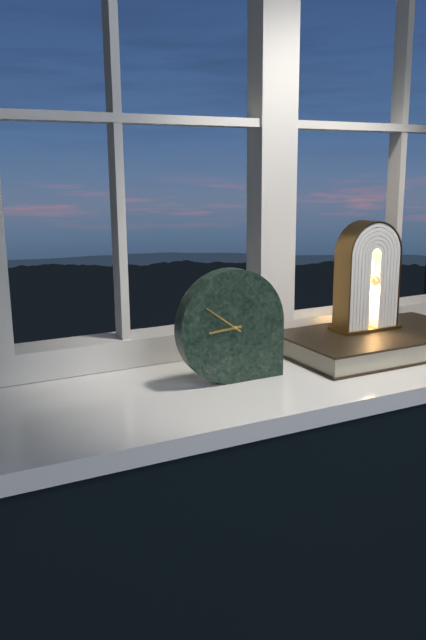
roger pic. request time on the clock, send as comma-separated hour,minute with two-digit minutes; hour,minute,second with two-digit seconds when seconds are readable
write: 8,51
